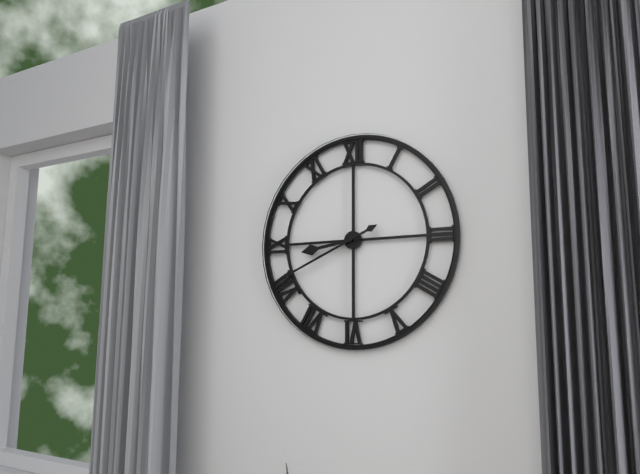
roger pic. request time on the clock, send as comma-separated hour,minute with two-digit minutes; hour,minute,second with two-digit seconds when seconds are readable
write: 8,41
